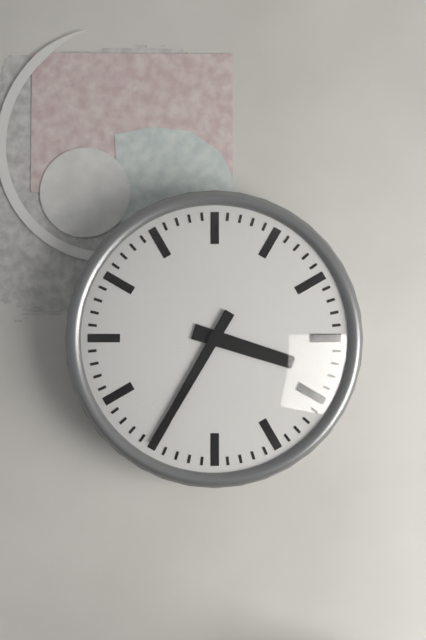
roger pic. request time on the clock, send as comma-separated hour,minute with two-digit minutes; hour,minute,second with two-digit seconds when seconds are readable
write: 3,35
